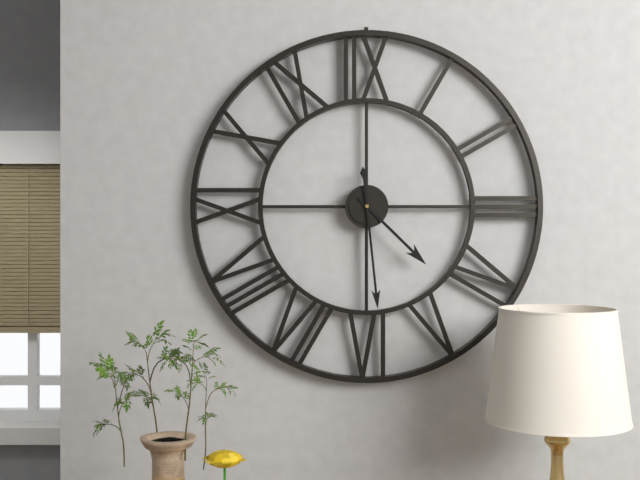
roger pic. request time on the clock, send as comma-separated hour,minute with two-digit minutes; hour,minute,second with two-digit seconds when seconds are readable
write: 4,29
